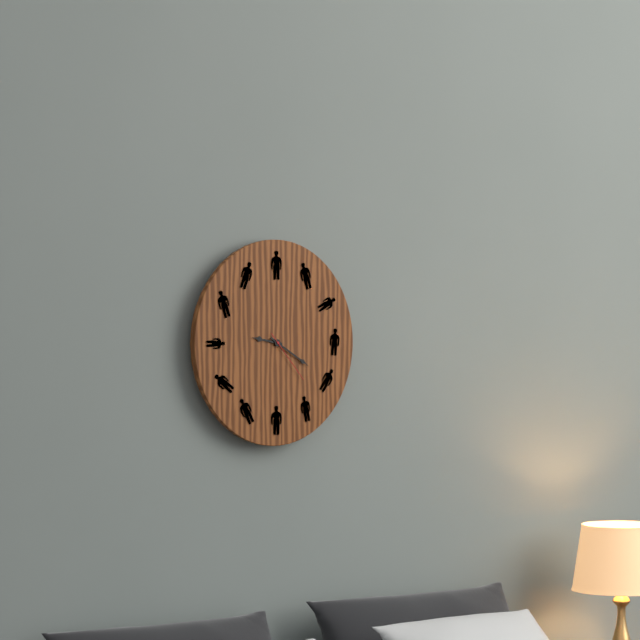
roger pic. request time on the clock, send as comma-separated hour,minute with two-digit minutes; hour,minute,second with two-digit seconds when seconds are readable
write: 9,20,23
